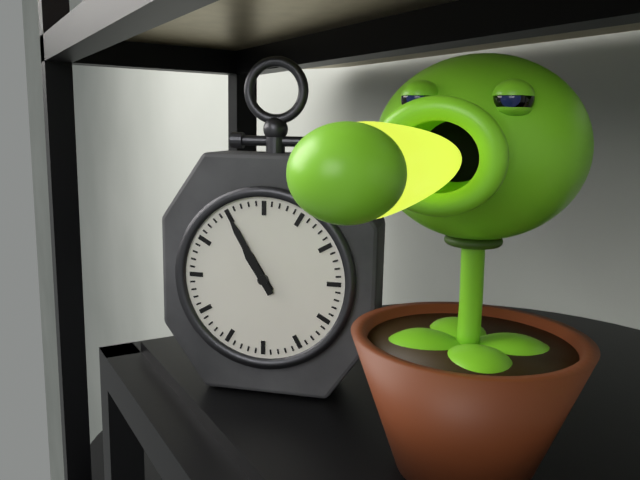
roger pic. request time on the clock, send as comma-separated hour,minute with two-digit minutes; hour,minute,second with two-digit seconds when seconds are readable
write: 10,55
